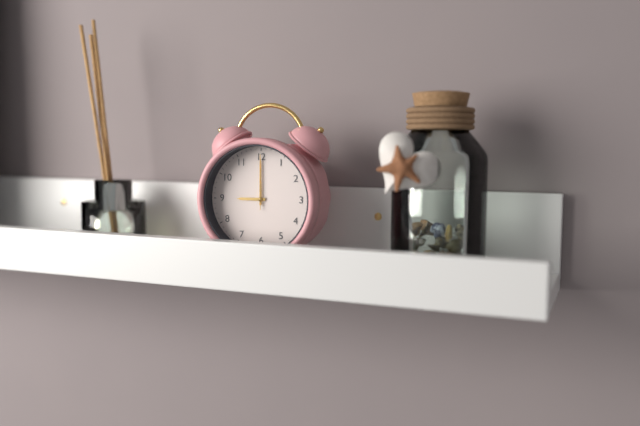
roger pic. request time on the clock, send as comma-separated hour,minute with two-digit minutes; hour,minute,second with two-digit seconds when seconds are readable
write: 9,00,00
